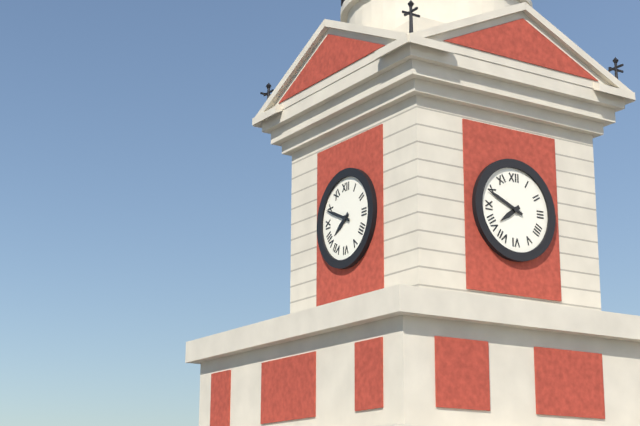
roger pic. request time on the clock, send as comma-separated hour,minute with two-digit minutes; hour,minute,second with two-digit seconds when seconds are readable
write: 7,49
